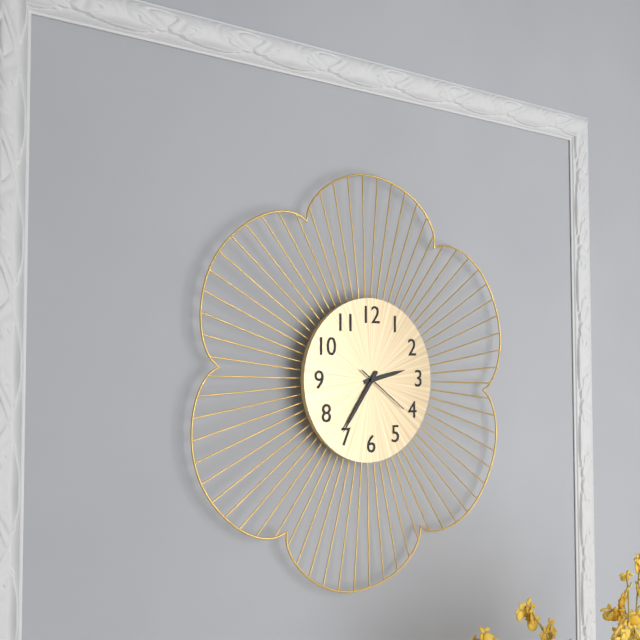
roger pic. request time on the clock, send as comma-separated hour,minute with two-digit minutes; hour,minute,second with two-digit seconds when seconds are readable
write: 2,36,21
